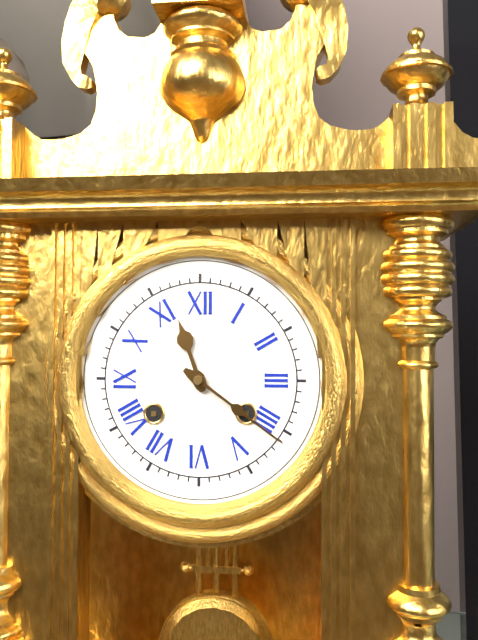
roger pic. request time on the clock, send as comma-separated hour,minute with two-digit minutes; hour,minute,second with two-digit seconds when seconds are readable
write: 11,21
